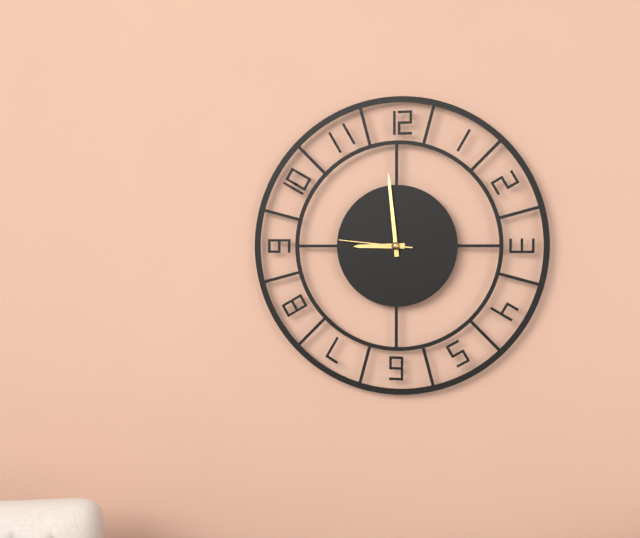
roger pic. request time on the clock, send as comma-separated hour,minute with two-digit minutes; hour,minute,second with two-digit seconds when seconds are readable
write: 8,59,46
